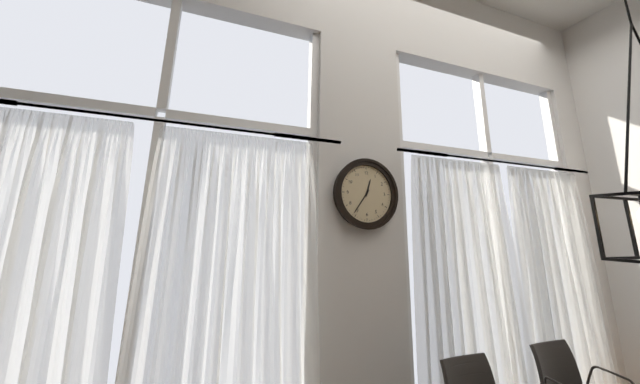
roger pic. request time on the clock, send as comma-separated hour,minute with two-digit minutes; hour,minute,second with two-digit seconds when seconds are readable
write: 12,36
